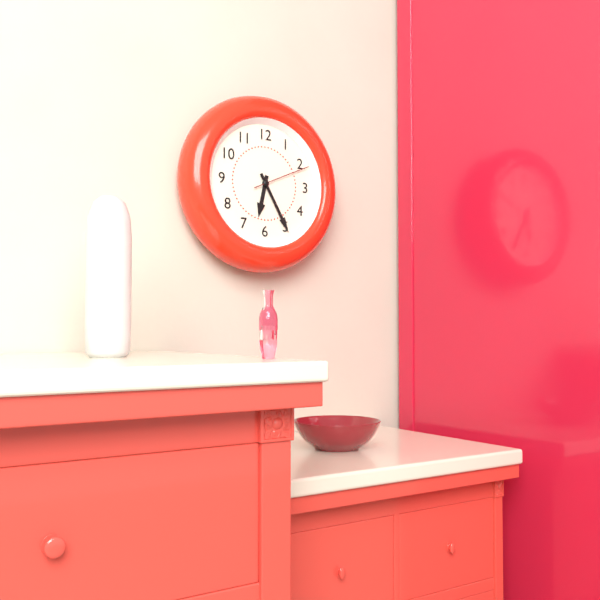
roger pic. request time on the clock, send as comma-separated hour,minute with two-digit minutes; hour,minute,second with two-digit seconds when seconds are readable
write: 6,25,11
